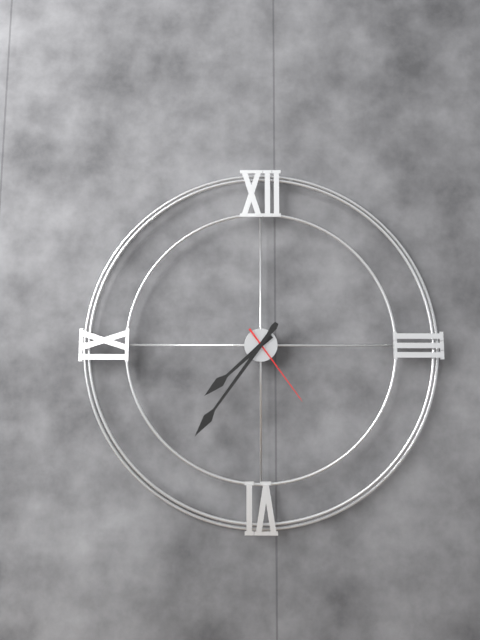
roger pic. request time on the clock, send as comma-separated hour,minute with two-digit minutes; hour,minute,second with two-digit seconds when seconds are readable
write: 7,36,24
